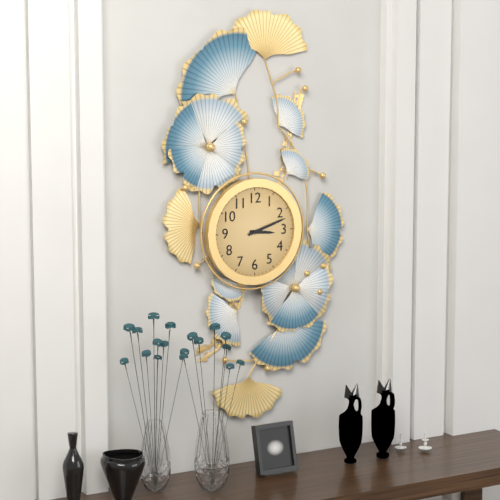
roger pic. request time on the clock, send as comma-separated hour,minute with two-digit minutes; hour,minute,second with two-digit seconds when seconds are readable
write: 3,12
